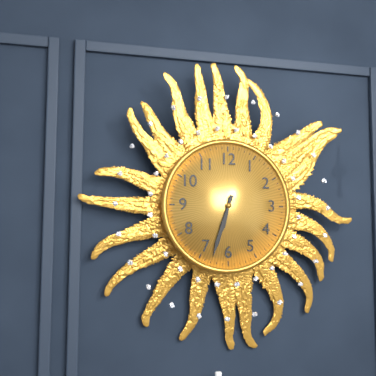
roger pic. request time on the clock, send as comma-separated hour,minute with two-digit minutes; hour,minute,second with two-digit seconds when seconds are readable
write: 6,33
